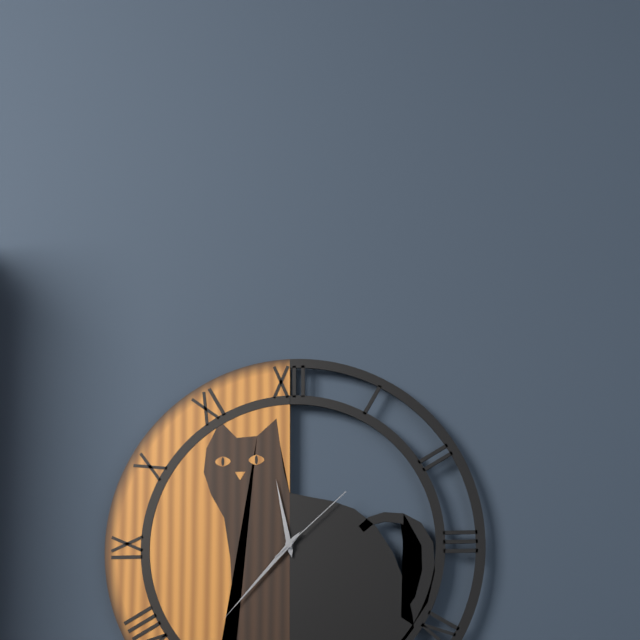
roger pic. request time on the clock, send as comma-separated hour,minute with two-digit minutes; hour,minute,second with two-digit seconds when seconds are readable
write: 11,37,08
